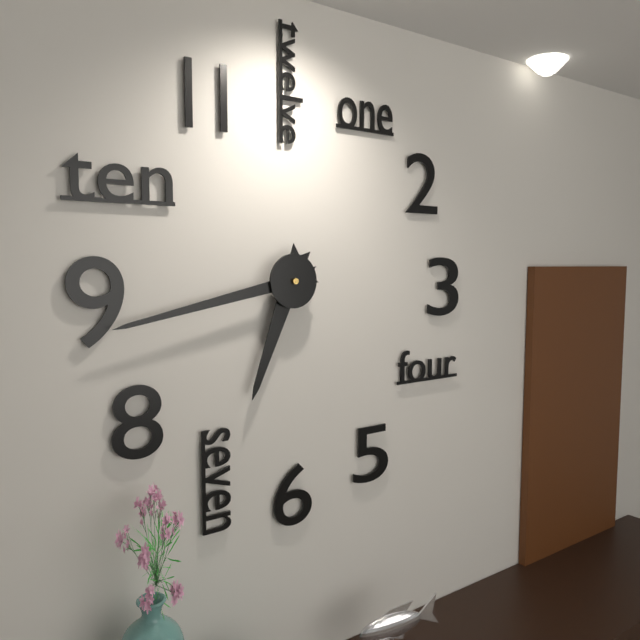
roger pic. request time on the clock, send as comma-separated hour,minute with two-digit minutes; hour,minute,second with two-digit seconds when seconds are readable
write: 6,43
